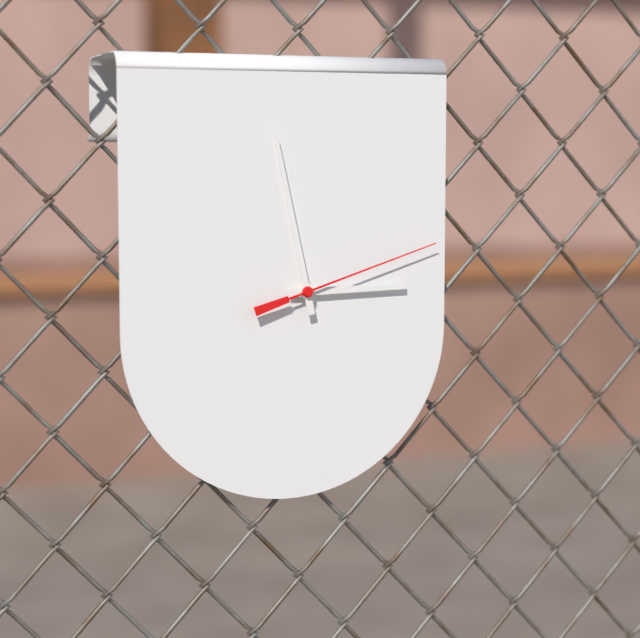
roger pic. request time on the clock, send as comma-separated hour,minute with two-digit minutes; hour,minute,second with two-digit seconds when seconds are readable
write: 2,58,12
